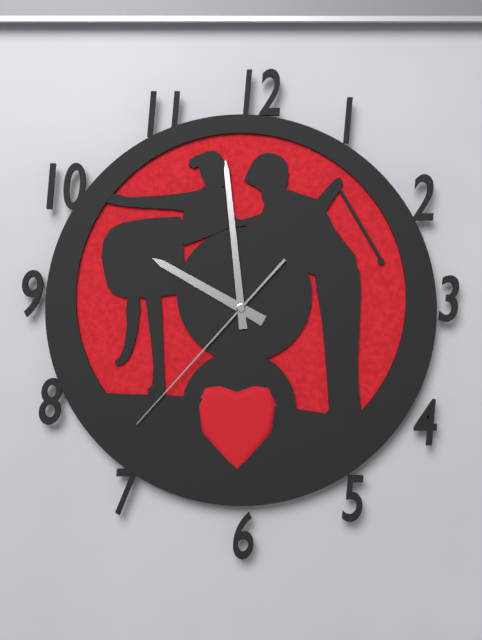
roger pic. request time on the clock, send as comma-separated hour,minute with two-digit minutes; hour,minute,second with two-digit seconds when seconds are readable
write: 9,59,37
